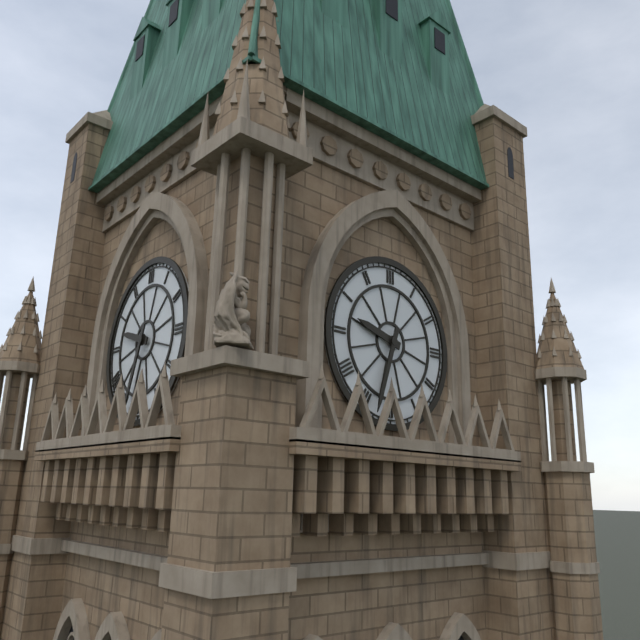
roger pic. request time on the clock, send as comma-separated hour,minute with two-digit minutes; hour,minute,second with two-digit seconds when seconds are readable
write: 9,33
